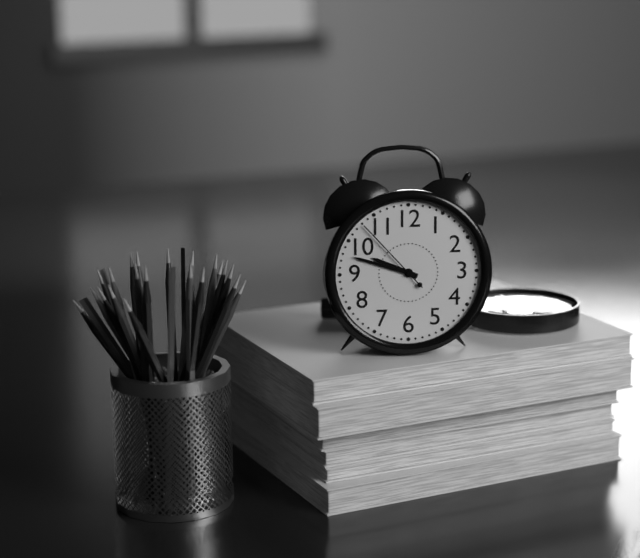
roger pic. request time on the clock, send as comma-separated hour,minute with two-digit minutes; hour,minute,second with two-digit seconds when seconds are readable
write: 9,48,53
